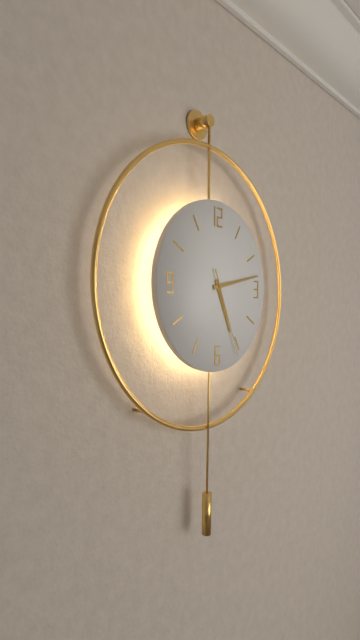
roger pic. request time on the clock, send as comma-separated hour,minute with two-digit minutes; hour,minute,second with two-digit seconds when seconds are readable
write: 5,13,26
